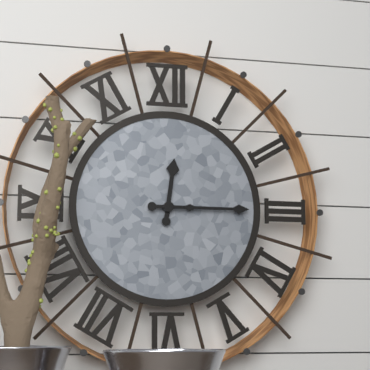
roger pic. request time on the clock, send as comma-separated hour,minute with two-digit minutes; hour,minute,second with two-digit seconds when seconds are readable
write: 12,15
